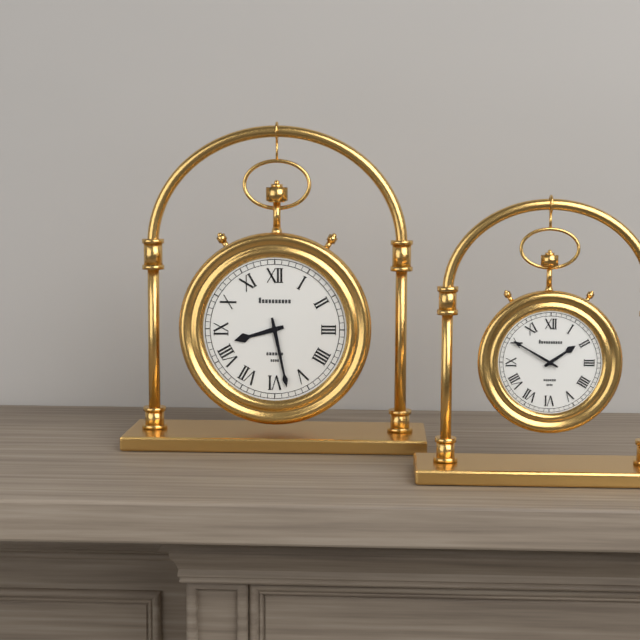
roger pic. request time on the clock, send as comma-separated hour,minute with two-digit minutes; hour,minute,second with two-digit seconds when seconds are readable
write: 8,28
